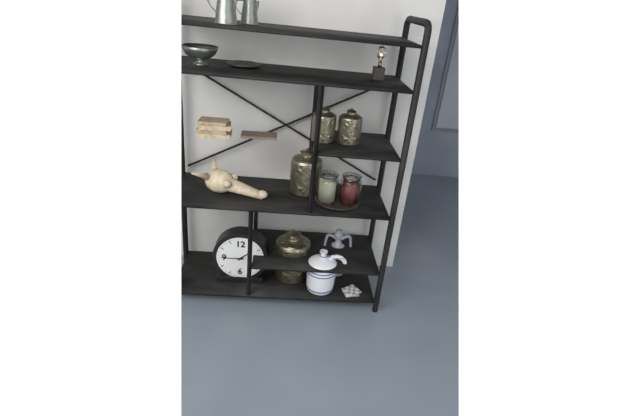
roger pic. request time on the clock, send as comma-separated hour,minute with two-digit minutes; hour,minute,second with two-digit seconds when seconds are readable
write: 1,45
